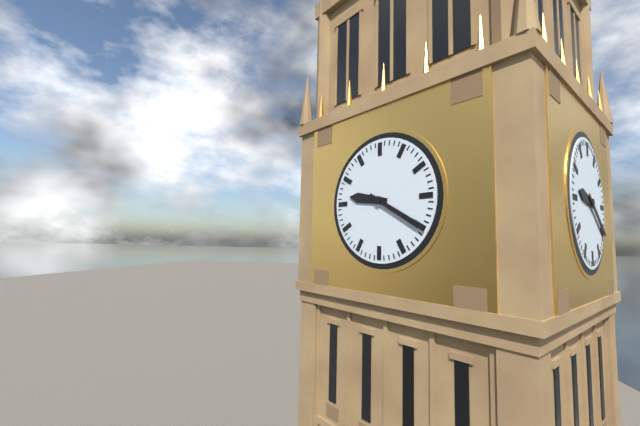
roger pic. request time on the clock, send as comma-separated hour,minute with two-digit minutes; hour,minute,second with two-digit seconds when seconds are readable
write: 9,20
